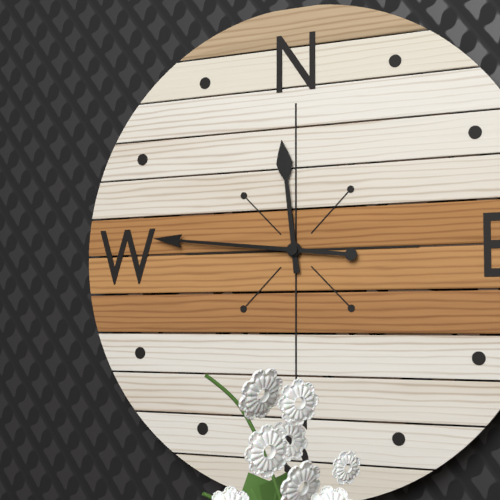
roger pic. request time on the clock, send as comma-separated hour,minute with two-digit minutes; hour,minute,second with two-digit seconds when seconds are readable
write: 11,46
